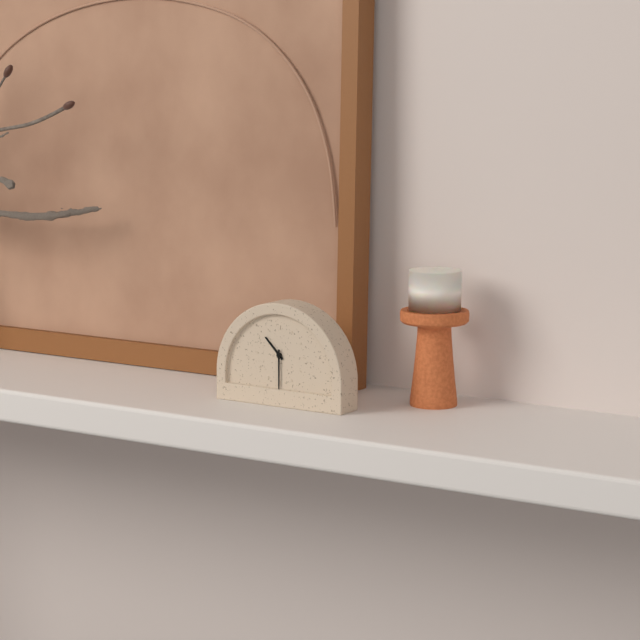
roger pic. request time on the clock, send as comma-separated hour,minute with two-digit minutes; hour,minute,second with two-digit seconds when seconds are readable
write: 10,30
